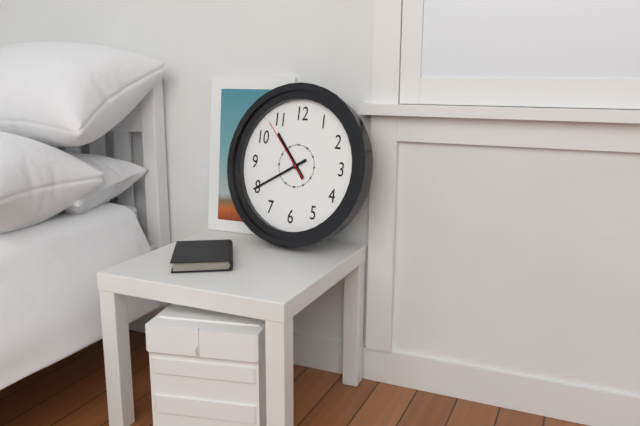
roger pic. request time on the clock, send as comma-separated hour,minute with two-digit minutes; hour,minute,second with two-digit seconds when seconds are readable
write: 10,40,53
